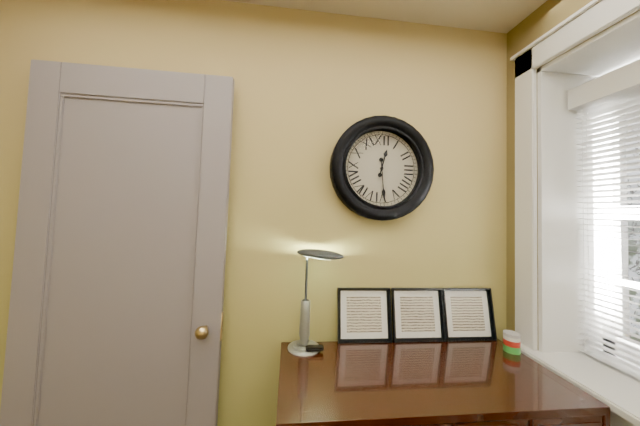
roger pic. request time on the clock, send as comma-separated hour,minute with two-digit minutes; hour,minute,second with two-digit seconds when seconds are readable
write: 12,29
